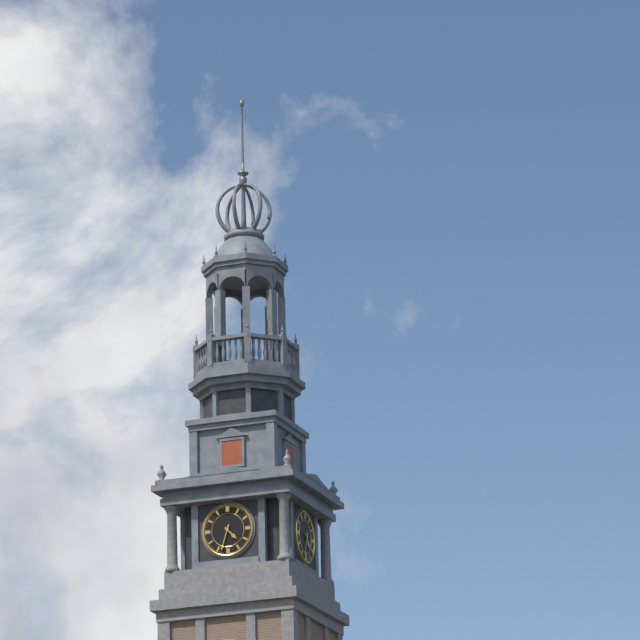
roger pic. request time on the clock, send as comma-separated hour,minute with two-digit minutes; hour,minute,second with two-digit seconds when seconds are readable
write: 4,33
